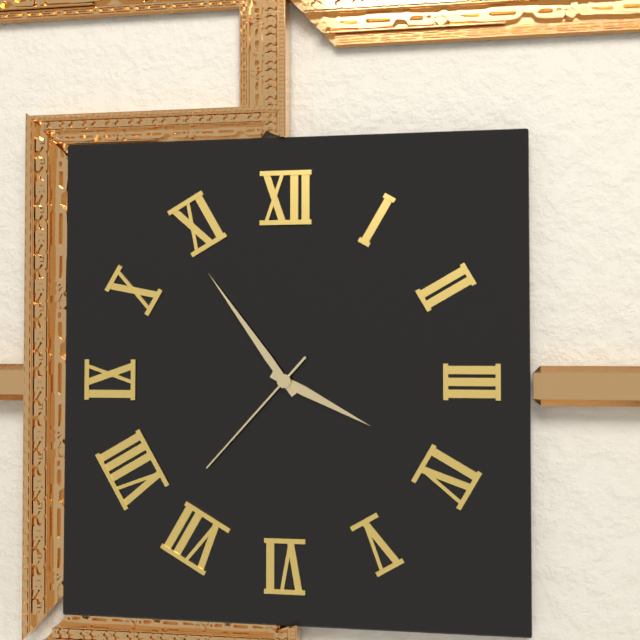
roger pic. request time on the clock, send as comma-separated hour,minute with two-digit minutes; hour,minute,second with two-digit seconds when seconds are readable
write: 3,54,37
